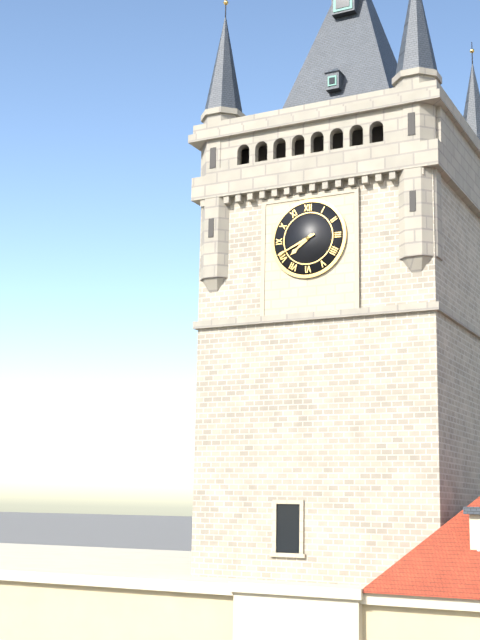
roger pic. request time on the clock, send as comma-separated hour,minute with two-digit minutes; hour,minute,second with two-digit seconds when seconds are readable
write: 7,41
